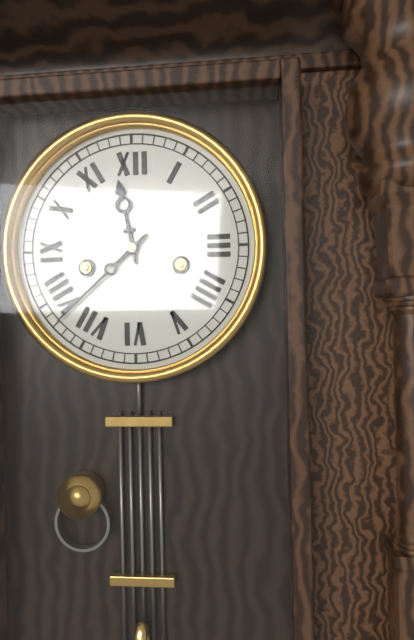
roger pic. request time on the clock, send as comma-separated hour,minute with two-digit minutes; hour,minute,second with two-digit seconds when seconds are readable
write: 11,38
